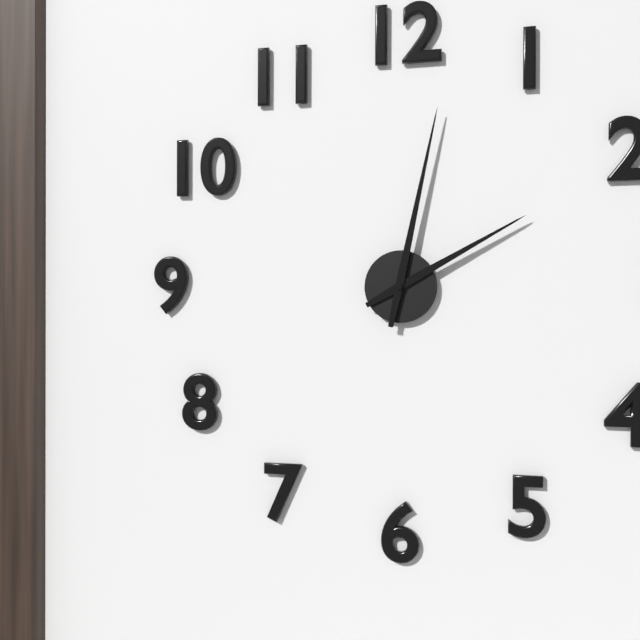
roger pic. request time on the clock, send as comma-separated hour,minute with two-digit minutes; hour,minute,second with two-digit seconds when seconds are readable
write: 2,02
